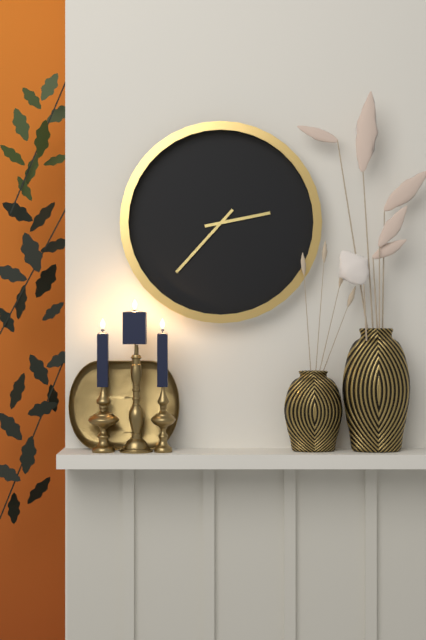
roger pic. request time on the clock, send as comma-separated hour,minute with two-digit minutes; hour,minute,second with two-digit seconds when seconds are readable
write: 2,37
